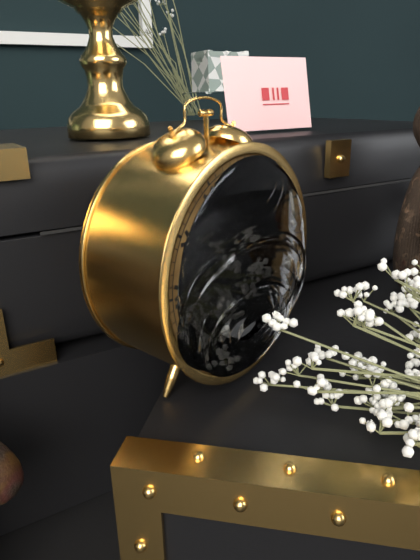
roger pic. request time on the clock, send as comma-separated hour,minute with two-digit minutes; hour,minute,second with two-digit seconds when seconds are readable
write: 12,21
